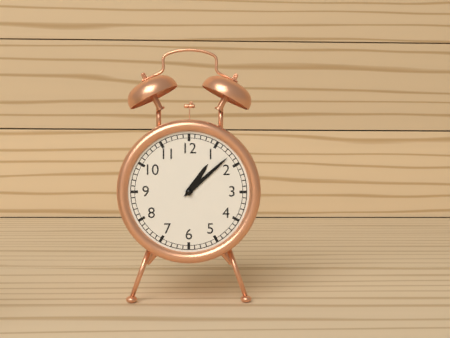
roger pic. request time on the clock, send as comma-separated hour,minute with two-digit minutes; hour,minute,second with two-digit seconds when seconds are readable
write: 1,08
